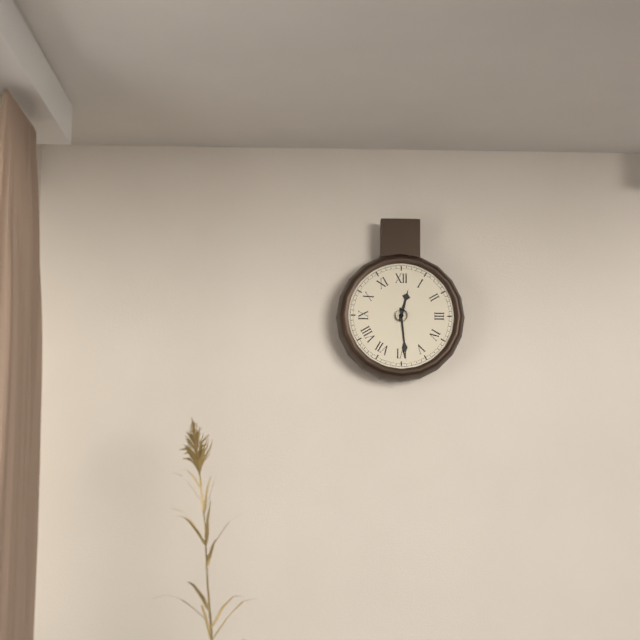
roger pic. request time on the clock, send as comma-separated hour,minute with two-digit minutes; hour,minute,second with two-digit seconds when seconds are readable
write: 12,29
